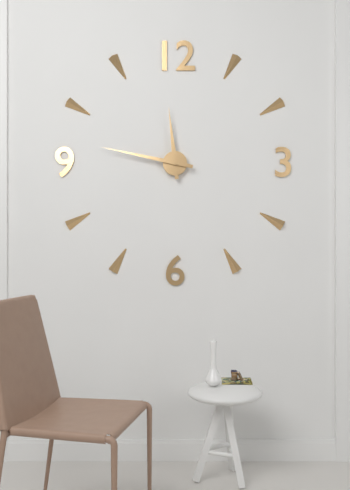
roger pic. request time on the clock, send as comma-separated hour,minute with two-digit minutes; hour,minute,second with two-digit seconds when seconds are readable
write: 11,47
